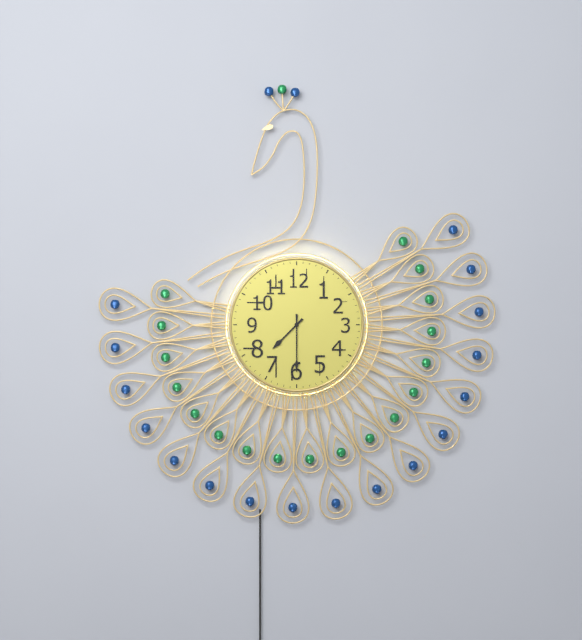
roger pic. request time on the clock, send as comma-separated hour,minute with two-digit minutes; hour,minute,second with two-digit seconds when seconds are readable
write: 7,30
